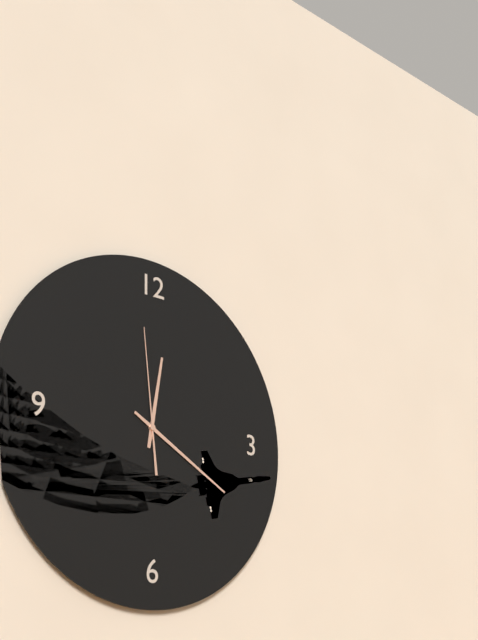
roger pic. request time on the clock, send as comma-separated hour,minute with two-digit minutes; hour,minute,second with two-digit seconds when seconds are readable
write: 12,20,59
